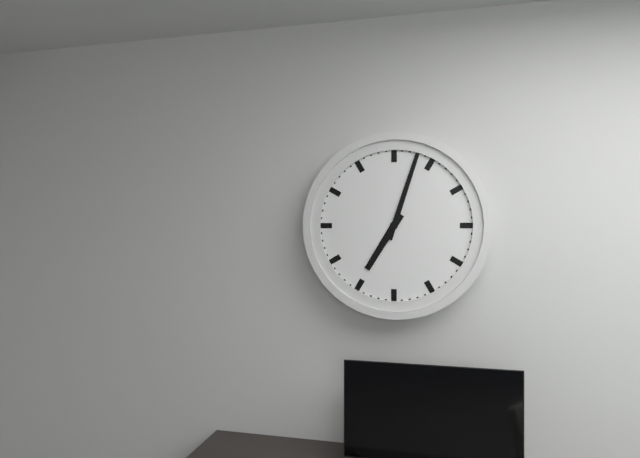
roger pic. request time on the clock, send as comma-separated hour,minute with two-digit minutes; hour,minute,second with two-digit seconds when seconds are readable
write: 7,03
